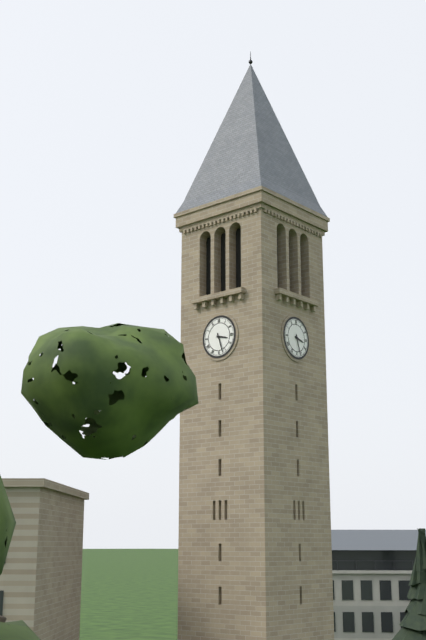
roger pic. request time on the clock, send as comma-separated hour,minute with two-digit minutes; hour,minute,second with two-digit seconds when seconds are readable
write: 3,27
